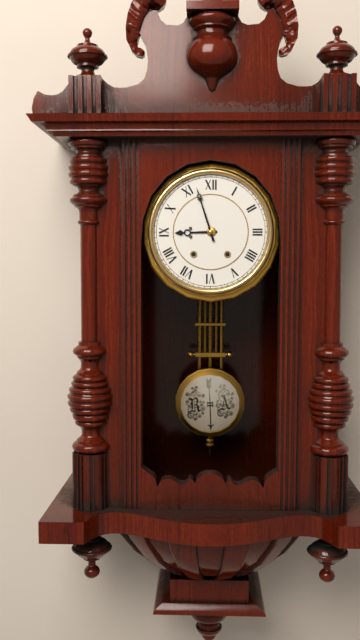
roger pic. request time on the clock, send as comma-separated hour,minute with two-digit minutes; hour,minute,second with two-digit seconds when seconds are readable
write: 8,57
